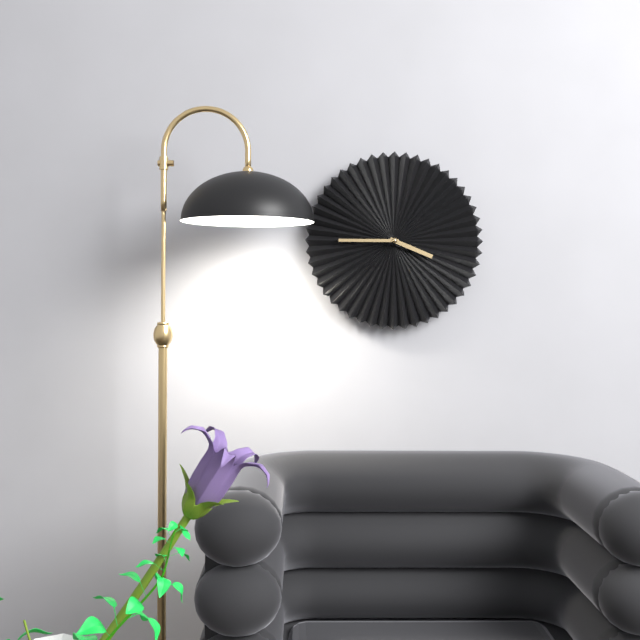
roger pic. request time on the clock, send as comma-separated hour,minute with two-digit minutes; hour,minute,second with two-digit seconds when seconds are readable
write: 3,45
